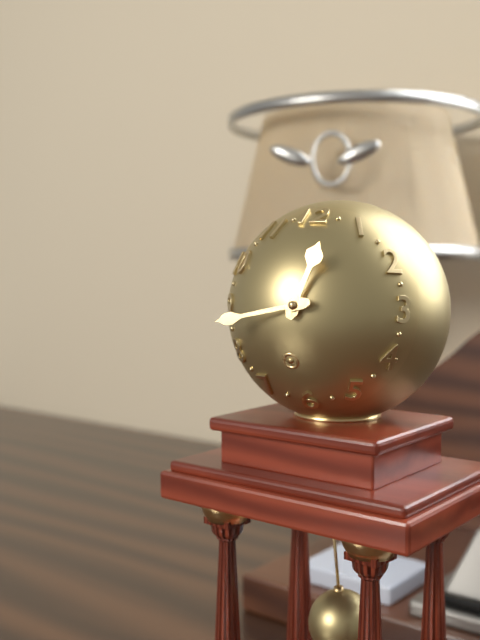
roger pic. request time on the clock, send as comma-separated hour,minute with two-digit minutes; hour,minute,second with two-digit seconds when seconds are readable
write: 12,43
